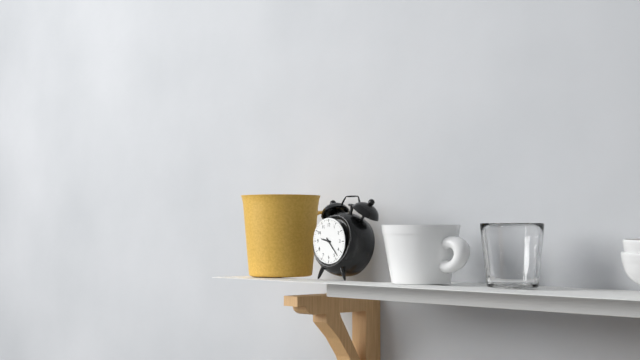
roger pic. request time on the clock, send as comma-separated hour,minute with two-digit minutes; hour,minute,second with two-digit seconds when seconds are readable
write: 9,23
